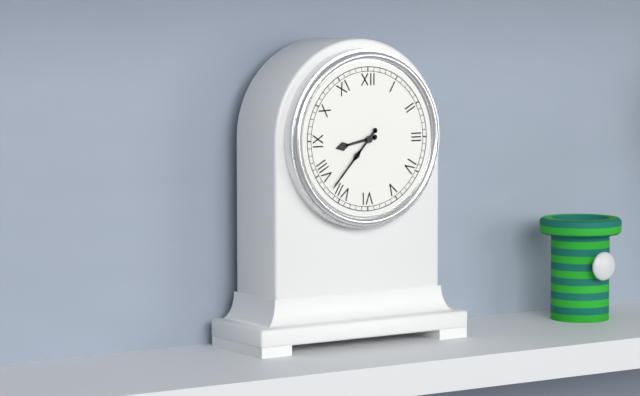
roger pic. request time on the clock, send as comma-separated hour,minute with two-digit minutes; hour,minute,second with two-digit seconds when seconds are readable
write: 8,37
